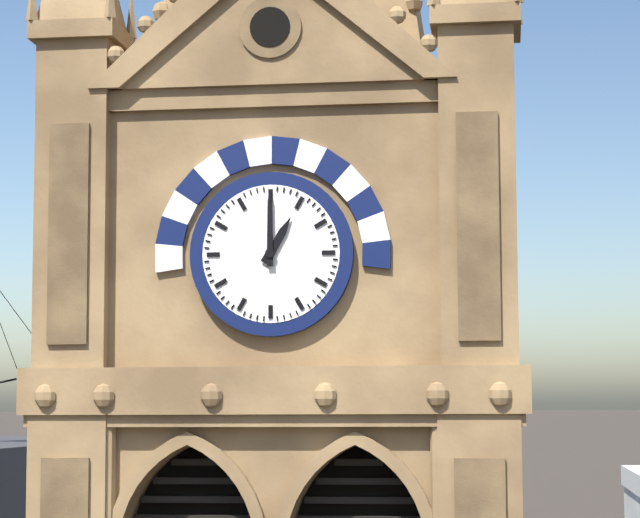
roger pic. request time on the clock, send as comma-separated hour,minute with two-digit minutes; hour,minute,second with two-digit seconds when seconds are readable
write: 1,00
